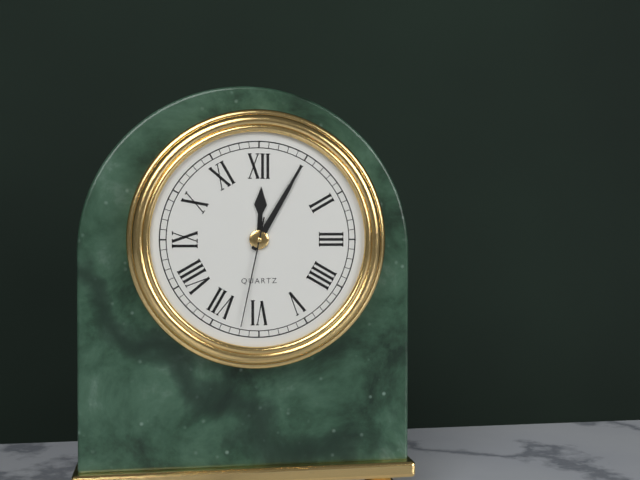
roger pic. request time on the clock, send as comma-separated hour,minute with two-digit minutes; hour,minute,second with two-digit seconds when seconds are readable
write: 12,05,32
